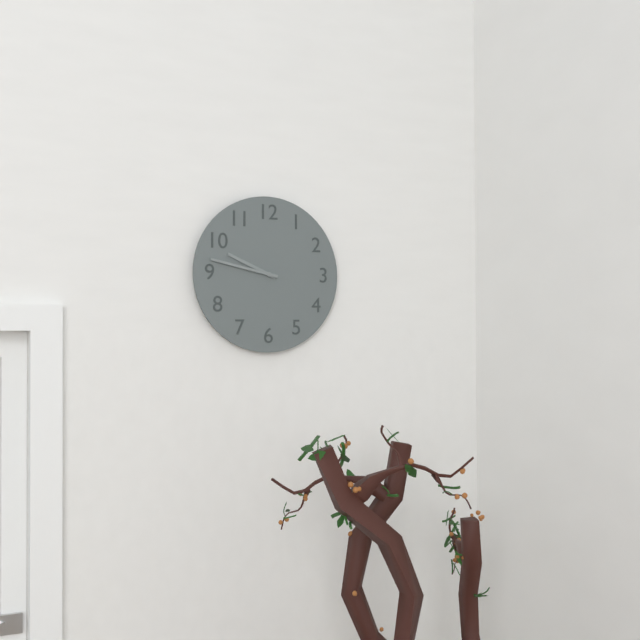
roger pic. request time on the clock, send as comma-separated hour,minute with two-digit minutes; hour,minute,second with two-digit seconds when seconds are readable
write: 9,47
